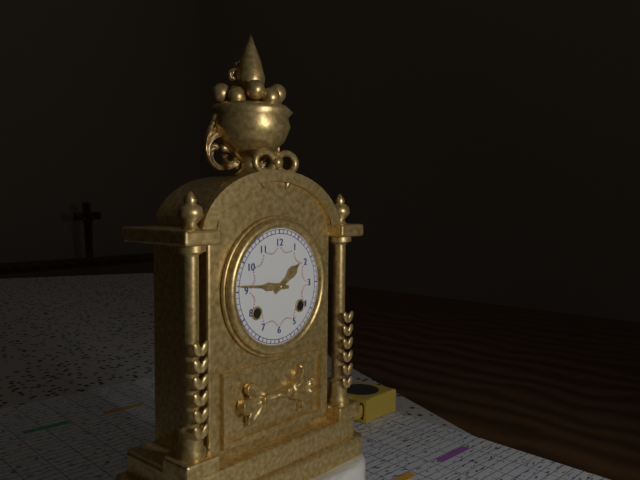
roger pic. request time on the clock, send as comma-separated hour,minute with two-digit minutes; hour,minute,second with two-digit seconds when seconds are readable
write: 1,46
